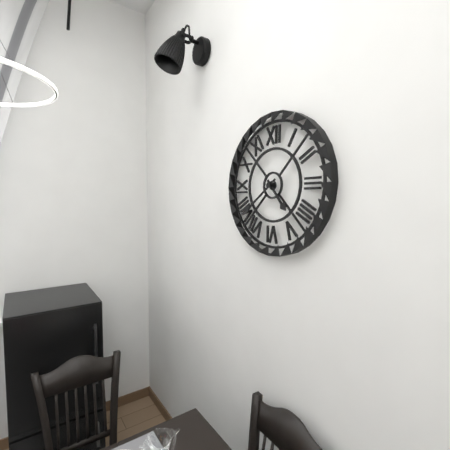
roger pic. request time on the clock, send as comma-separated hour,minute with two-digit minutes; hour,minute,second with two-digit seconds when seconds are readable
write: 4,39
